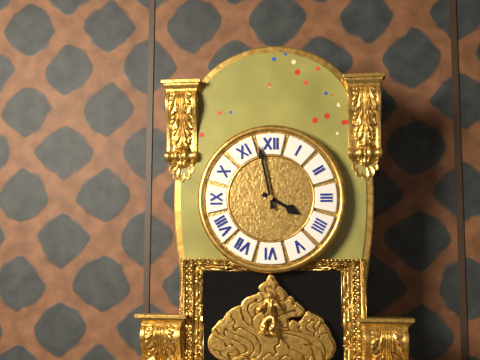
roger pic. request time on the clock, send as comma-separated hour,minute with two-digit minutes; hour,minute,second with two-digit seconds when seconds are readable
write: 3,58
